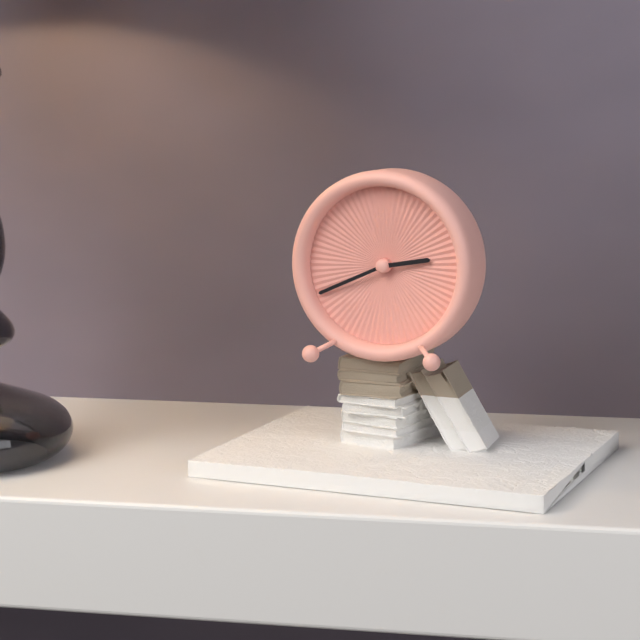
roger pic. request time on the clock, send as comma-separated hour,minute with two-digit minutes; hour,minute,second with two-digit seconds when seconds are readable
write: 2,41
